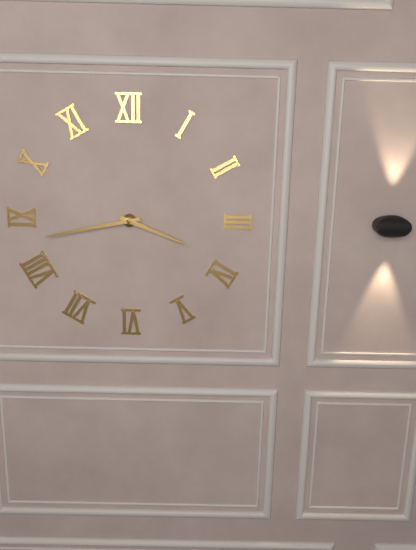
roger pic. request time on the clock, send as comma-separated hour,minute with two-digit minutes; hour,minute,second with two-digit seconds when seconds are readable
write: 3,43
